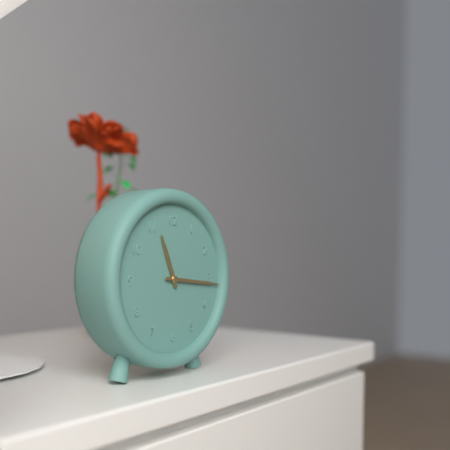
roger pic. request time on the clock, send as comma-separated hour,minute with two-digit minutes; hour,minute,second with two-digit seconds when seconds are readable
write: 11,16
